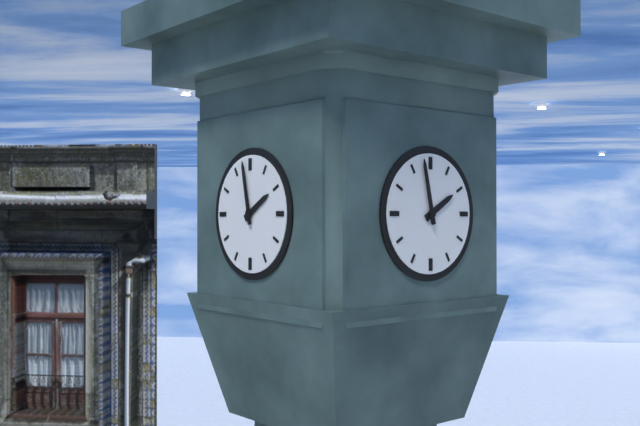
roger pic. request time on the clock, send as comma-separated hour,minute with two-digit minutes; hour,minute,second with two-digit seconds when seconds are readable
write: 1,58
